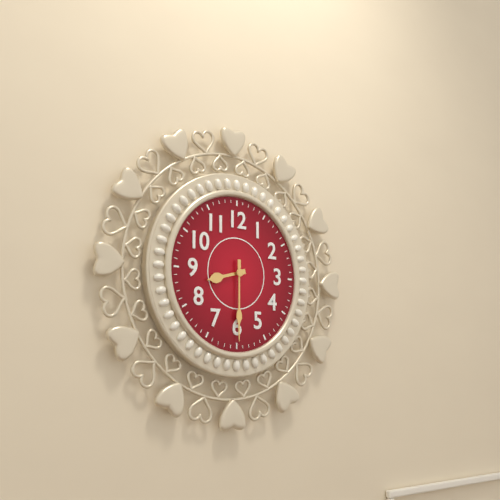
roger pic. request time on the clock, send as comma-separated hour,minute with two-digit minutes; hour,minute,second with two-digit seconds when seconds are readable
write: 8,30
